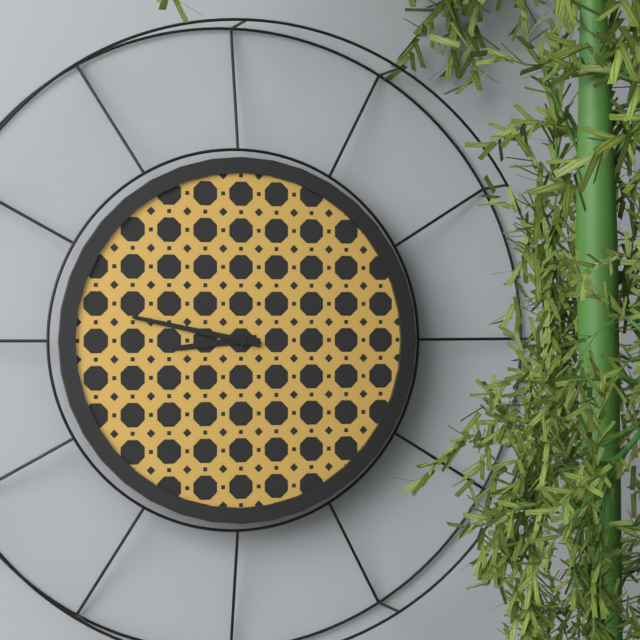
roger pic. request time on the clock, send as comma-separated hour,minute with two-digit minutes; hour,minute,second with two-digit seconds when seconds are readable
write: 8,47
